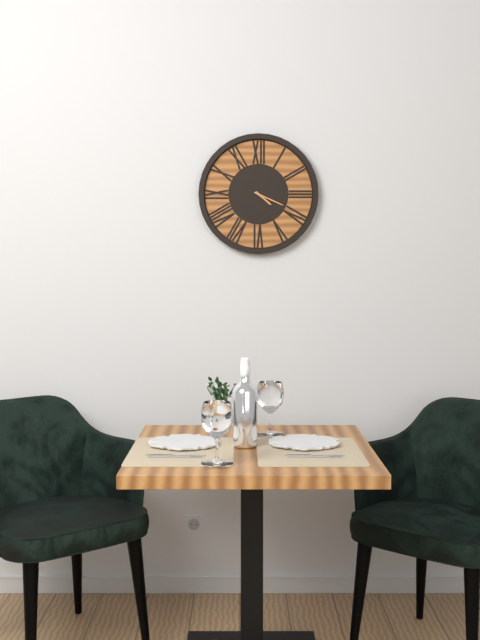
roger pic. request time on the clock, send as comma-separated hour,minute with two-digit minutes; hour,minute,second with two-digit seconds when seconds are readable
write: 4,19
